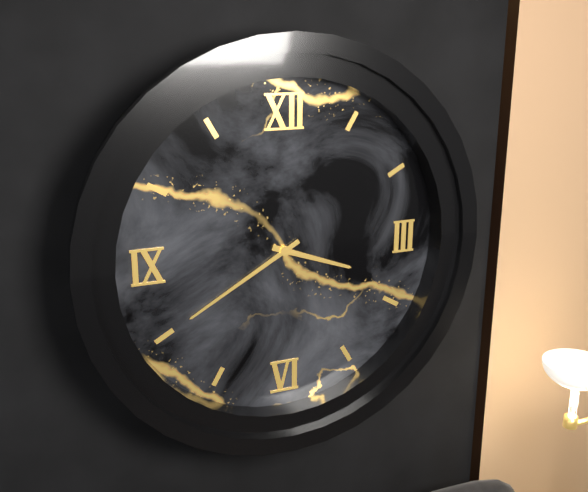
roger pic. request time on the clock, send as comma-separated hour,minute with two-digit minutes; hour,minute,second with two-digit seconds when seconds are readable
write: 3,40
